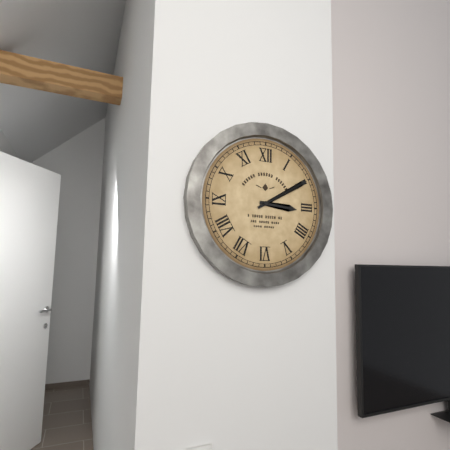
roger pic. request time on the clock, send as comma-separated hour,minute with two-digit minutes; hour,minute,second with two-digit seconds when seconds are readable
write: 3,10
